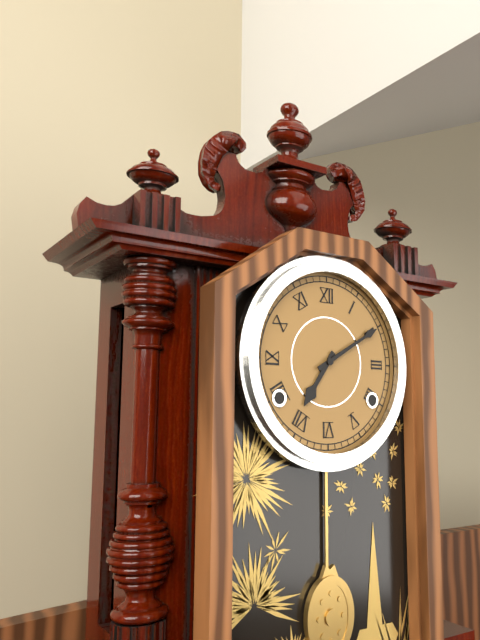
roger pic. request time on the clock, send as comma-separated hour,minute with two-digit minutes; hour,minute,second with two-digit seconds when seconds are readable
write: 7,10
